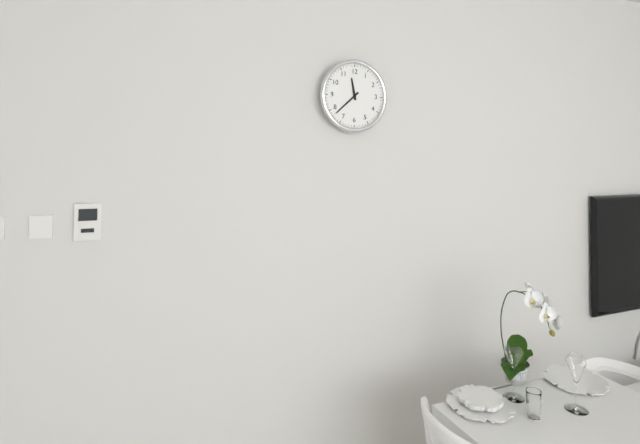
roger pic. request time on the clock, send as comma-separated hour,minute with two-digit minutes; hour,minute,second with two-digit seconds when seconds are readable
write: 11,38
